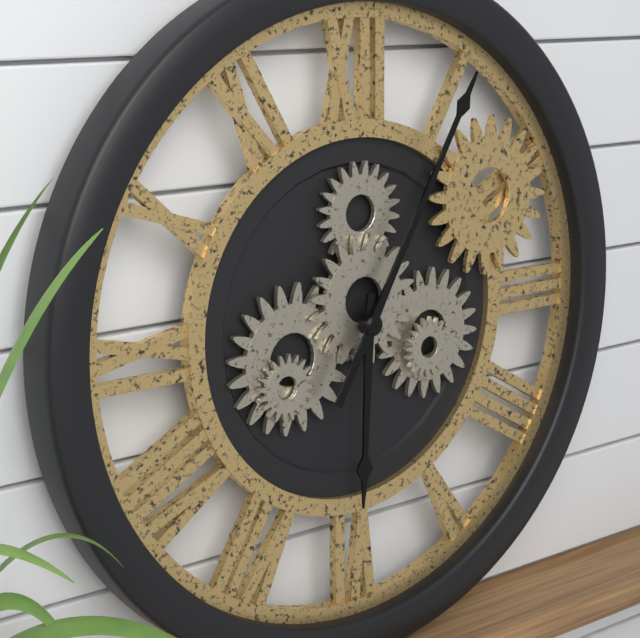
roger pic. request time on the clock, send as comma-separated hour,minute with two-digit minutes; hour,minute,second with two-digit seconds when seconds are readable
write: 6,05
